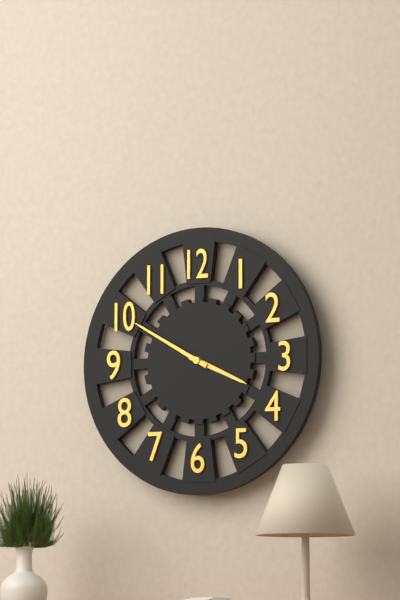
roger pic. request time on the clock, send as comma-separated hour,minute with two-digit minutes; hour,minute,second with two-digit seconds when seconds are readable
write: 3,50
